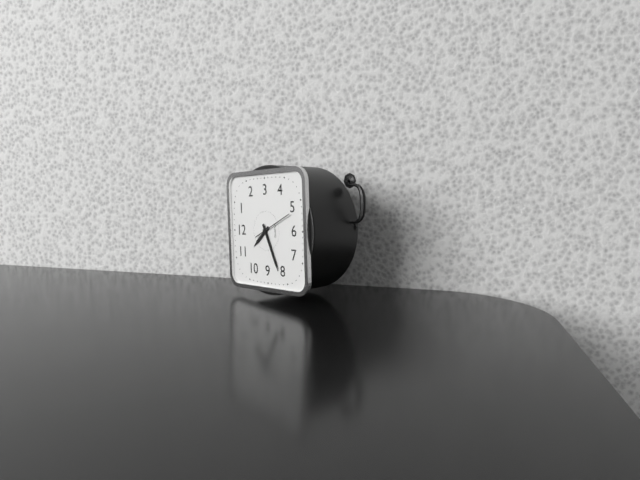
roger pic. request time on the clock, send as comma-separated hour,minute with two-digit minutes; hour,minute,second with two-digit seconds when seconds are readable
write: 10,41
